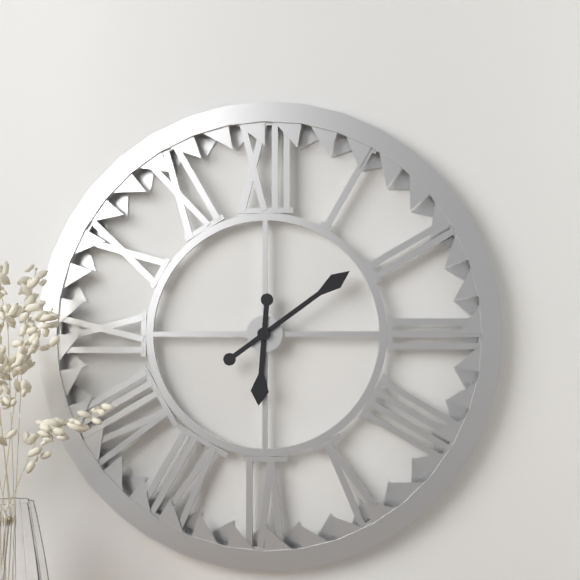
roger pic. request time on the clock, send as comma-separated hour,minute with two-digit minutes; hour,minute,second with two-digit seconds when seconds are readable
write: 6,09
